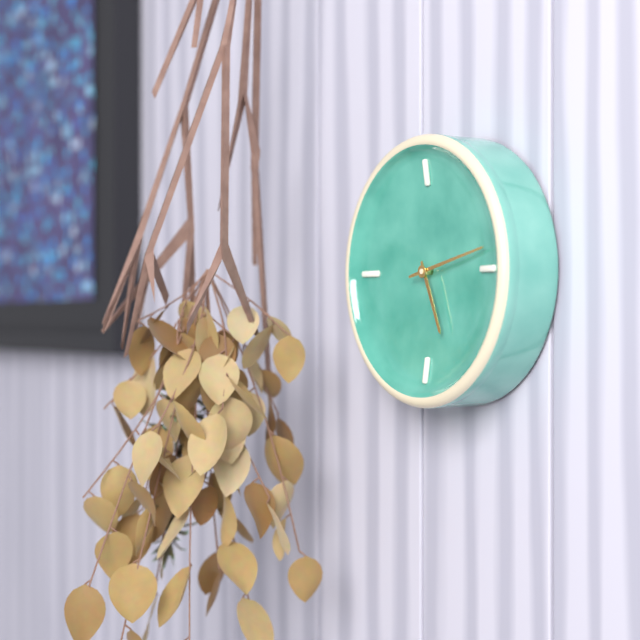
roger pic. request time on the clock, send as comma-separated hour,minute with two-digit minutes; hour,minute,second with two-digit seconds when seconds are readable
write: 5,13
